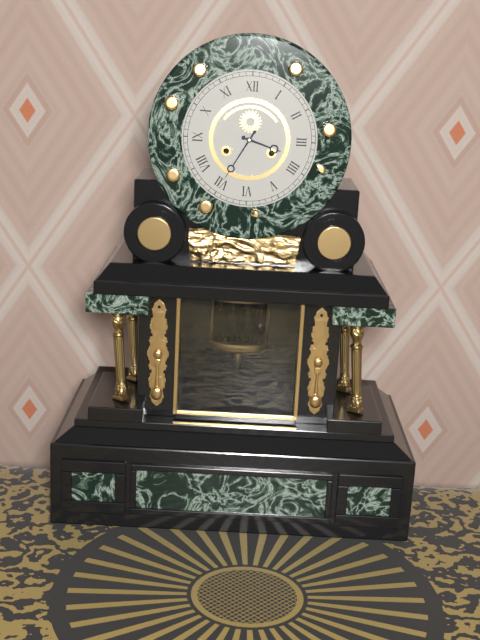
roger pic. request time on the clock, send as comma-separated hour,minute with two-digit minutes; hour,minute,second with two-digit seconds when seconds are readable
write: 3,35
